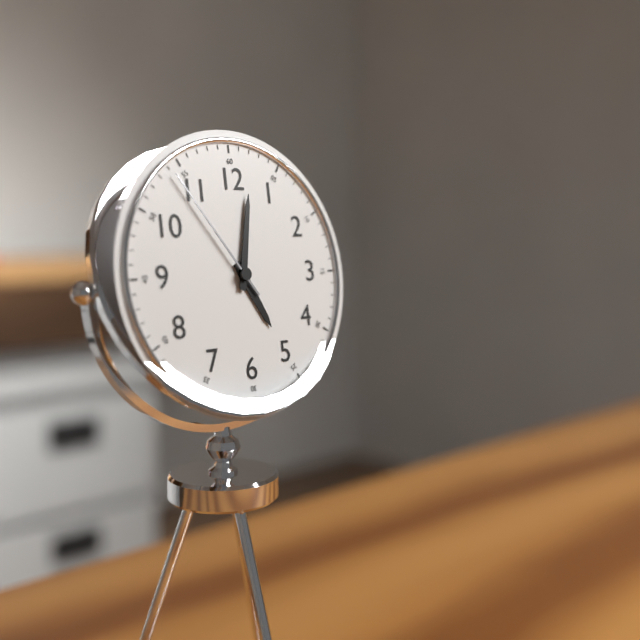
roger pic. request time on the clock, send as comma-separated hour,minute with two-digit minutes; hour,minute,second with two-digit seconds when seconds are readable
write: 5,02,54
